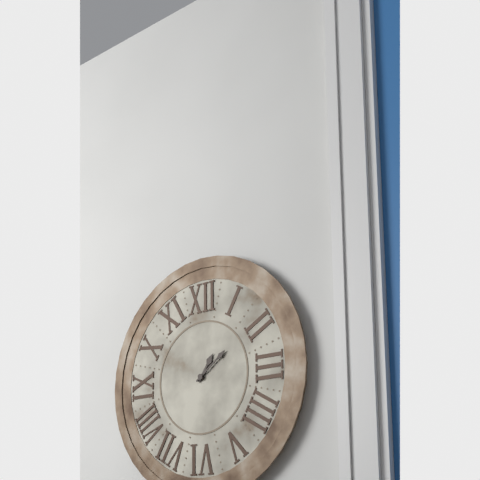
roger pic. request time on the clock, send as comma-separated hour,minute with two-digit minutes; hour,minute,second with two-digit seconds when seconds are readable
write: 1,09
